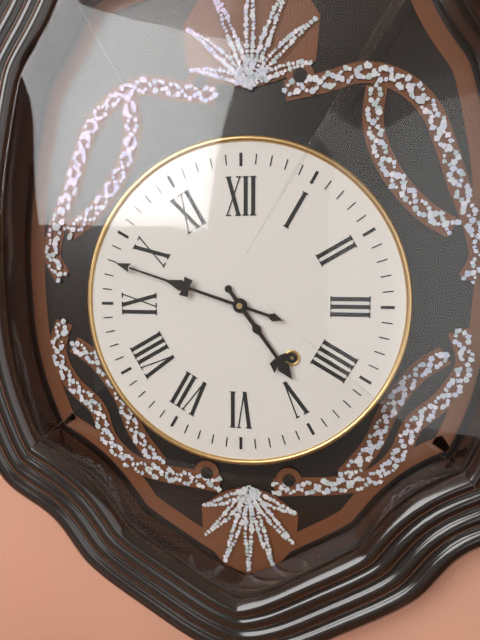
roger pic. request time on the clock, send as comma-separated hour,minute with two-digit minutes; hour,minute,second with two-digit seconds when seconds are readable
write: 4,48
